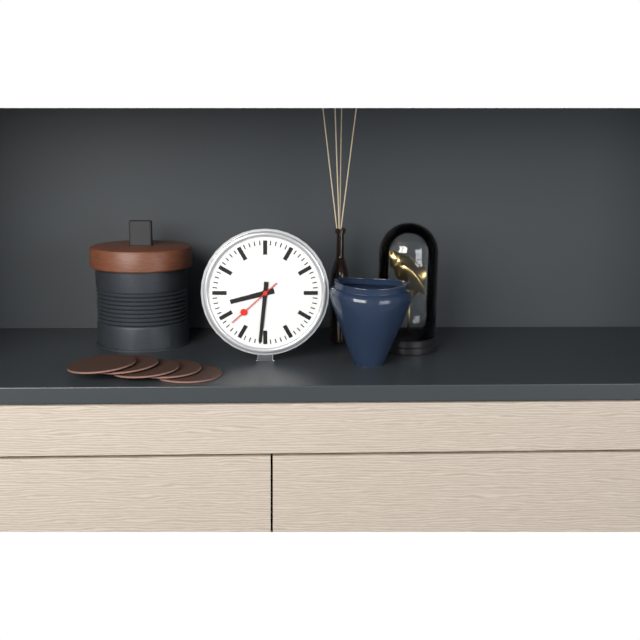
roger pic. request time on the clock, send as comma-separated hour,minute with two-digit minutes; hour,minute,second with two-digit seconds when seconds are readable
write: 8,31,38
